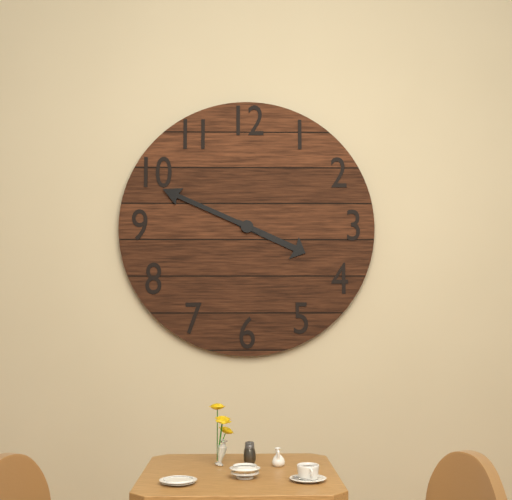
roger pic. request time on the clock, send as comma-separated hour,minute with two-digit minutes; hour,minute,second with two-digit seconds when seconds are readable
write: 3,49
